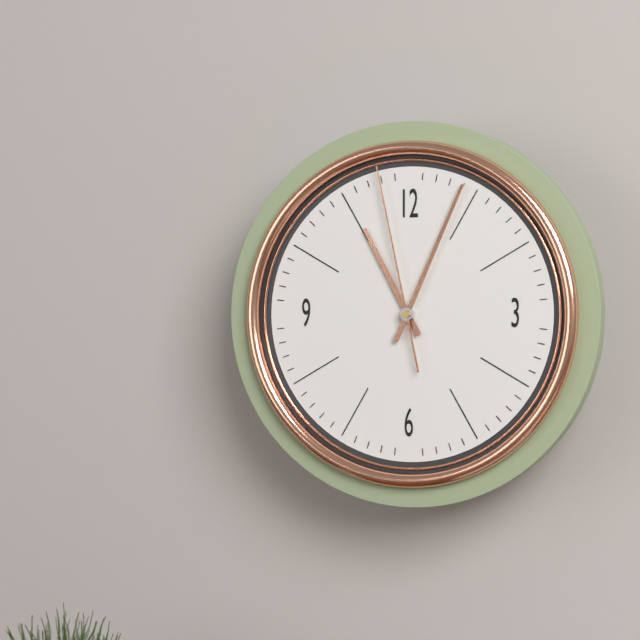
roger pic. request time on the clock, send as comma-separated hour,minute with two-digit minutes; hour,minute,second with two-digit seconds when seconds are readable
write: 11,04,58
